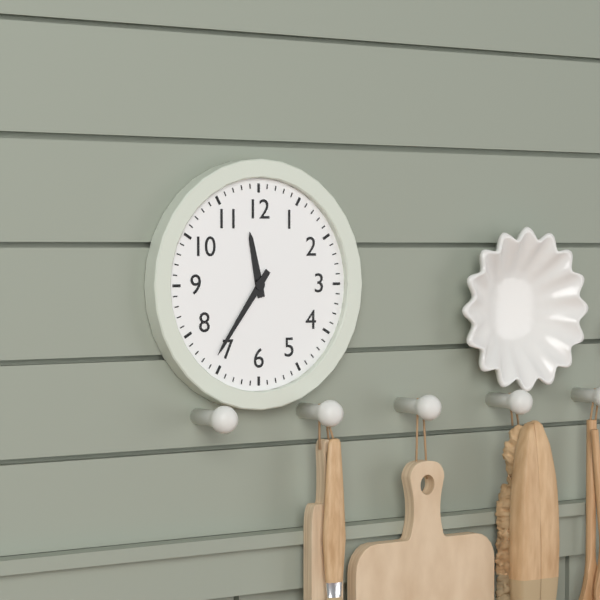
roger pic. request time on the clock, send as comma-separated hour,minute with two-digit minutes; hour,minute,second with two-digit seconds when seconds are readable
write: 11,36
